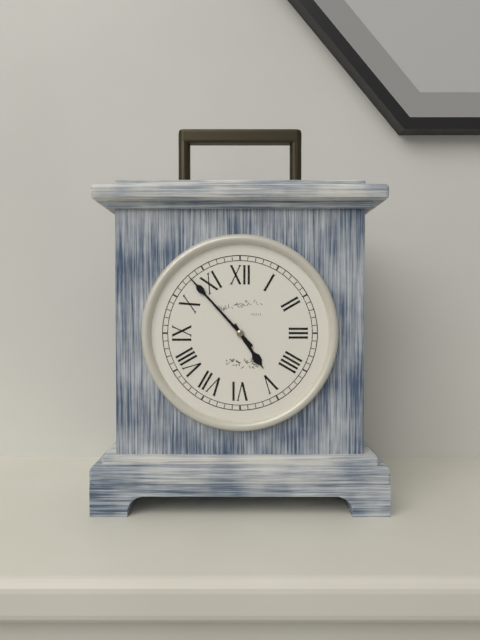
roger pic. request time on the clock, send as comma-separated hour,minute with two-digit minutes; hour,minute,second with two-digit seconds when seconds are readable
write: 4,53
